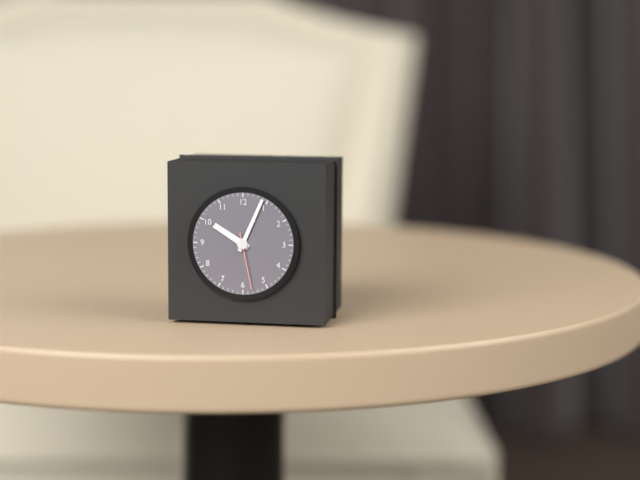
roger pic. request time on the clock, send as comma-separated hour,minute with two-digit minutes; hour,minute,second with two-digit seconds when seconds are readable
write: 10,04,28
